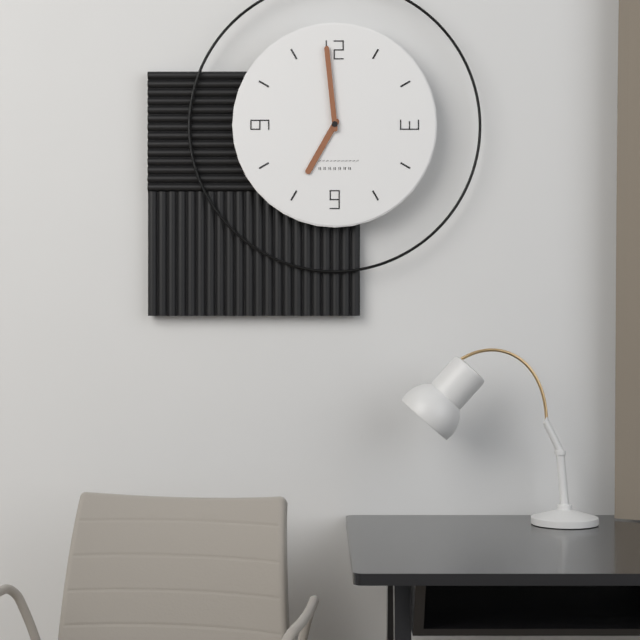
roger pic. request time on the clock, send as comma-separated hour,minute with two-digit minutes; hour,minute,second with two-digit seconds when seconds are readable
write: 6,59
